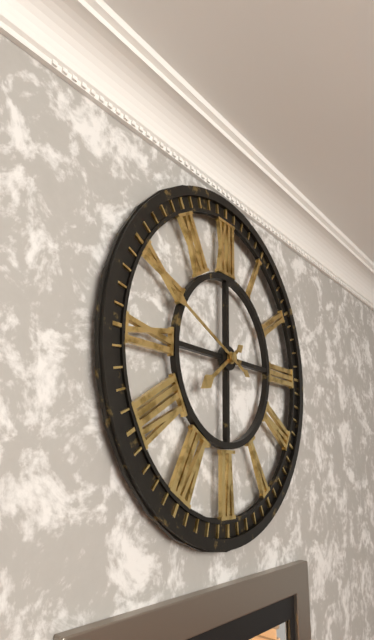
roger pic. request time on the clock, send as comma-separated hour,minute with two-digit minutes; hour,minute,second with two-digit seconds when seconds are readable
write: 7,49
